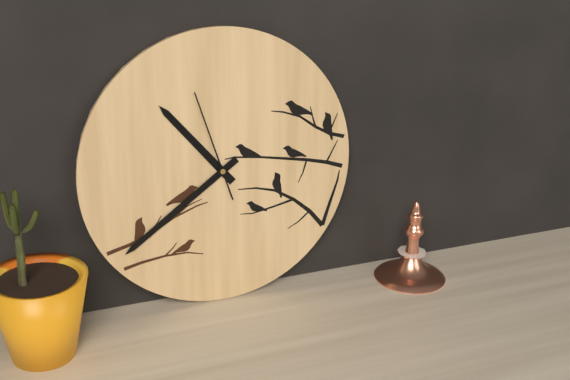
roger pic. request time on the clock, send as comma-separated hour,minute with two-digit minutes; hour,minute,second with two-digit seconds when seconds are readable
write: 10,39,57
